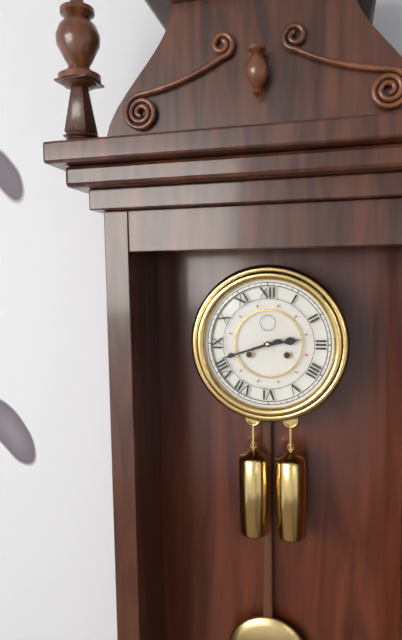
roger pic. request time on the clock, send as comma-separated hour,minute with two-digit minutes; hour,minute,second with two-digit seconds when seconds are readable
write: 2,42
